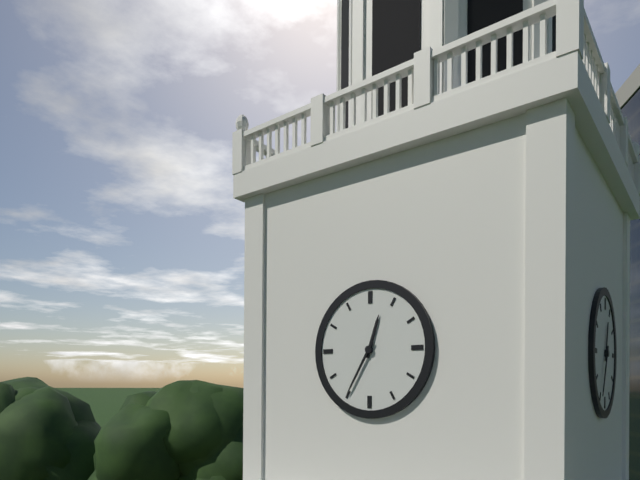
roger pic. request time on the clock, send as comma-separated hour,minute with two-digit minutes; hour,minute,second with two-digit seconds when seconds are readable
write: 12,35
